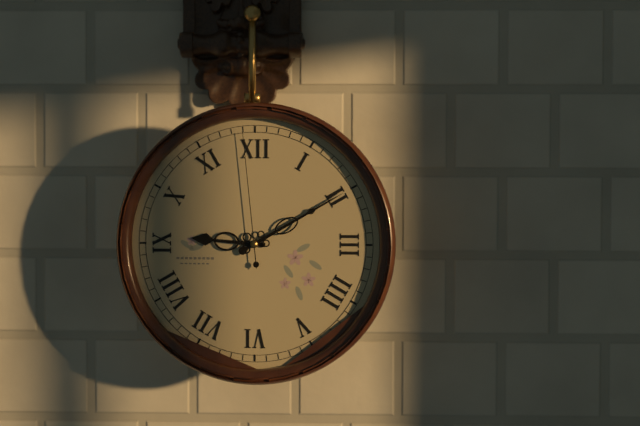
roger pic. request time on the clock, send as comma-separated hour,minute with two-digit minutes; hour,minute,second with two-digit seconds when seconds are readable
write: 9,10,59
